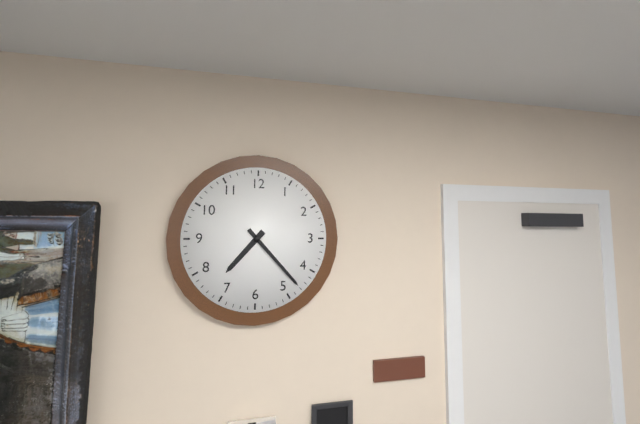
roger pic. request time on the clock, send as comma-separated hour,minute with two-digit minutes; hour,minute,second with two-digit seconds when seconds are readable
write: 7,23
